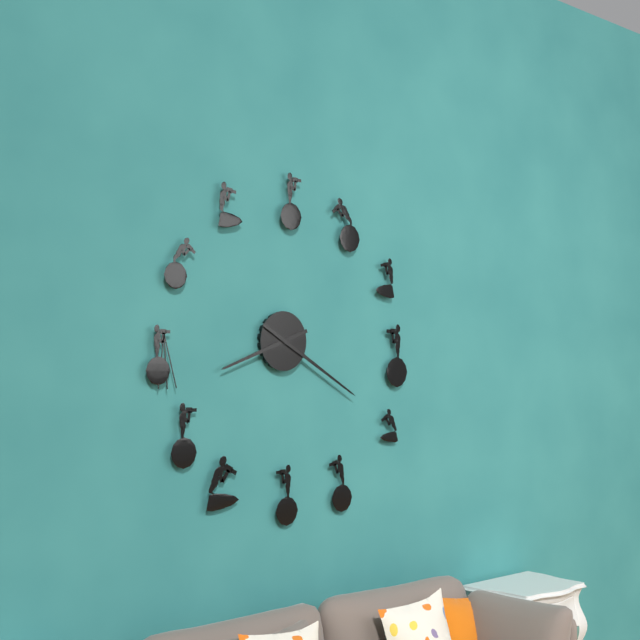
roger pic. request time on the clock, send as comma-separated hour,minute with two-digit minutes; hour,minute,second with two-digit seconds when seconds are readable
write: 8,20
